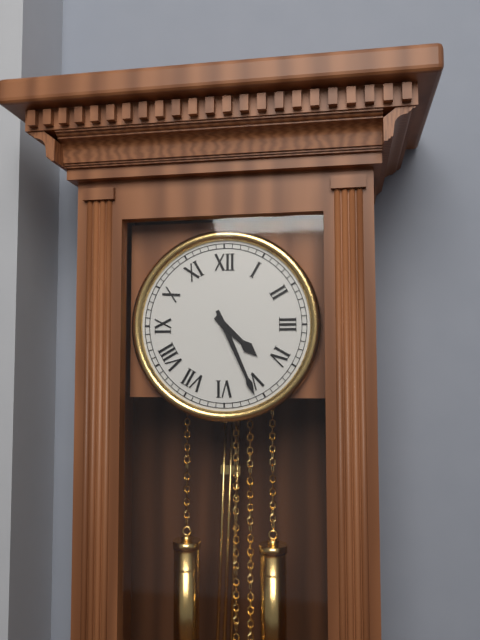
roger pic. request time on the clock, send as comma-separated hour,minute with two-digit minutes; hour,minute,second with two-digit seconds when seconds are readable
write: 4,26
